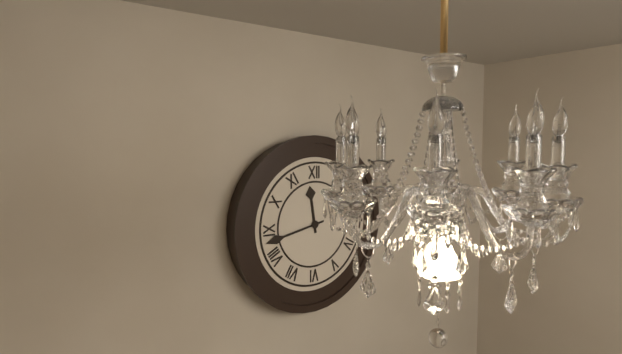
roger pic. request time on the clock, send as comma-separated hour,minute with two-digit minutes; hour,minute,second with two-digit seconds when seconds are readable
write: 11,43
